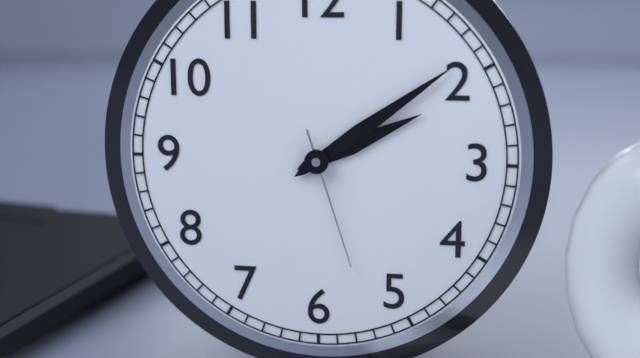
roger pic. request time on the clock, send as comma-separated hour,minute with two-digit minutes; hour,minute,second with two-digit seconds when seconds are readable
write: 2,09,27
